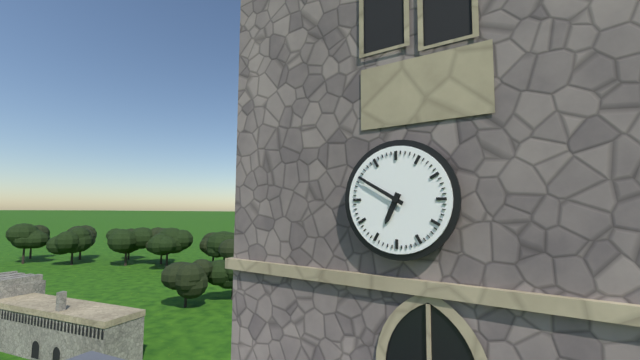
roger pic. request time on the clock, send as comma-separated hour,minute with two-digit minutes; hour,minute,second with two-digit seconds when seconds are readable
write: 6,50
